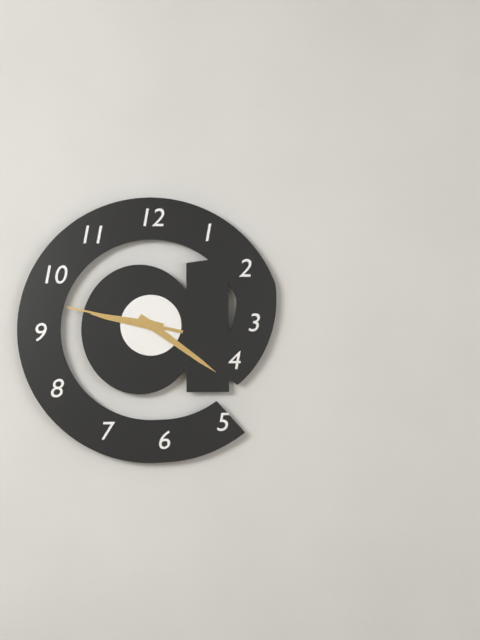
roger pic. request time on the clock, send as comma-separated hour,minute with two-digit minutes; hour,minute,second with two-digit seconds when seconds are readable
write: 9,21,47
